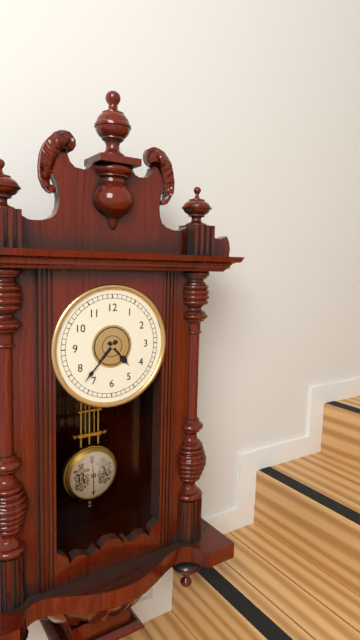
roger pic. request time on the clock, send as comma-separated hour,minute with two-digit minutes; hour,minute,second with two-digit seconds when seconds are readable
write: 4,37
